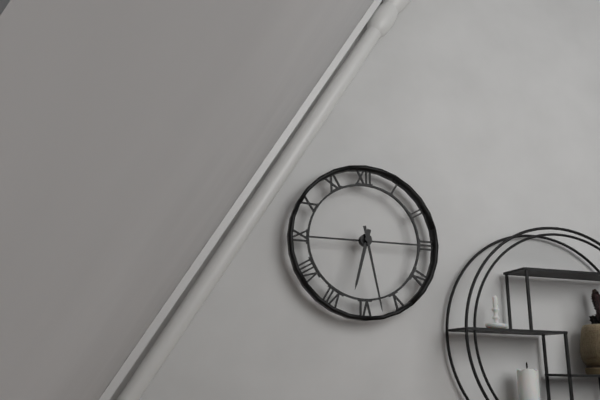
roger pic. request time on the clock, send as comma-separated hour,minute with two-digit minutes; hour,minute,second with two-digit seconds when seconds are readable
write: 6,28
